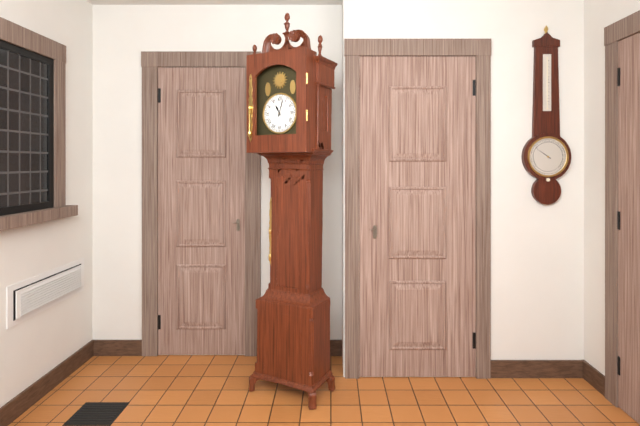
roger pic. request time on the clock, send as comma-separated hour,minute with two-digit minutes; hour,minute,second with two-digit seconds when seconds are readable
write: 11,03
